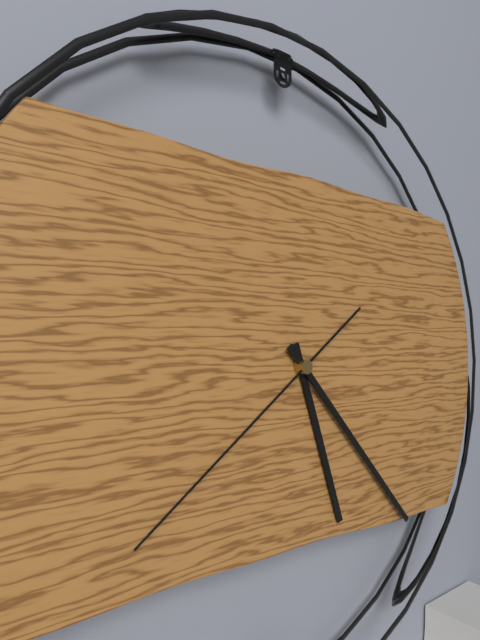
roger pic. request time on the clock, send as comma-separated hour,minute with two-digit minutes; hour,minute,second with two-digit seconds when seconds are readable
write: 5,23,39
